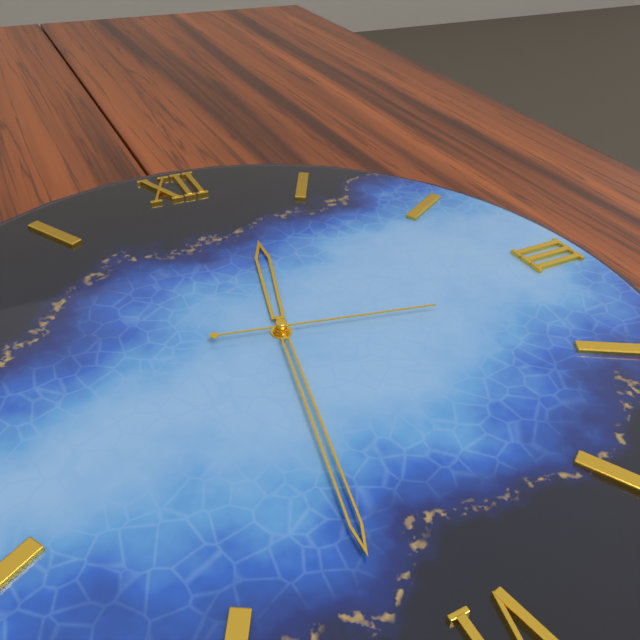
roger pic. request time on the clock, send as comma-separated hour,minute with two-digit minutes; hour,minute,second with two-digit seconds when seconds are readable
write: 12,32,17
